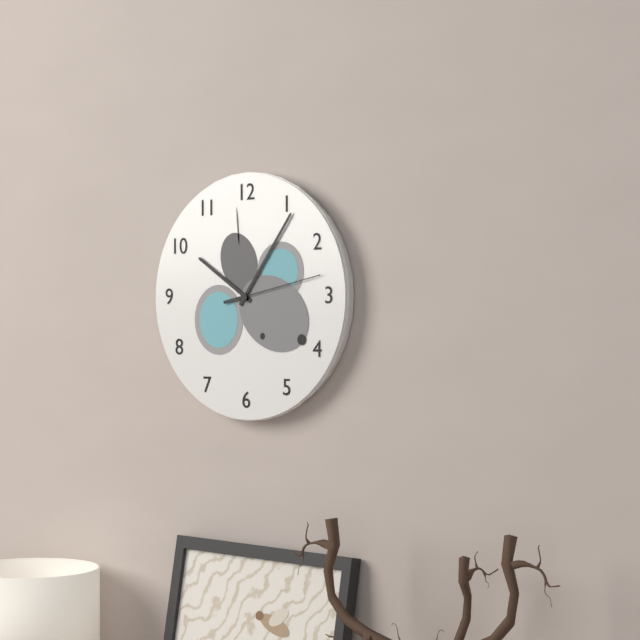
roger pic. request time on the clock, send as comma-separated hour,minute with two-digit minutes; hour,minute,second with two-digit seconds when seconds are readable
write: 10,06,13
